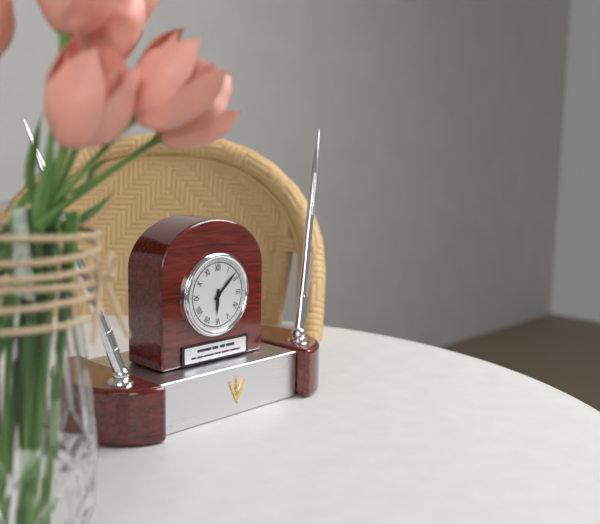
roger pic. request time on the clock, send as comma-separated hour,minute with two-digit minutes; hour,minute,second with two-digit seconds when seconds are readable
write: 6,08
